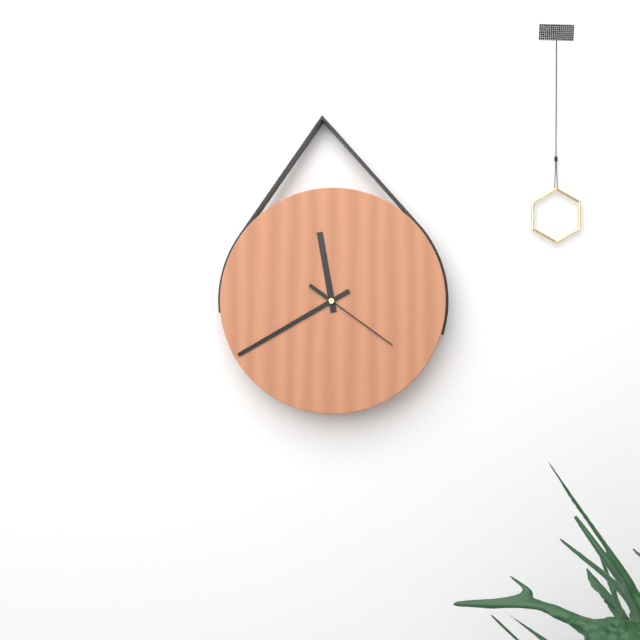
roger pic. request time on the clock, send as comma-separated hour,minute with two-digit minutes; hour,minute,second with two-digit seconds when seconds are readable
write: 11,40,21
